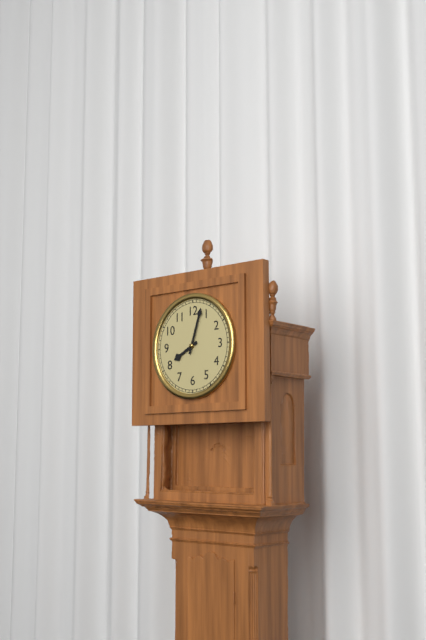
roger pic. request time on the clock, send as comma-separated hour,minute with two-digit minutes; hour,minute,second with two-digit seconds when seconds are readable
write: 8,03
